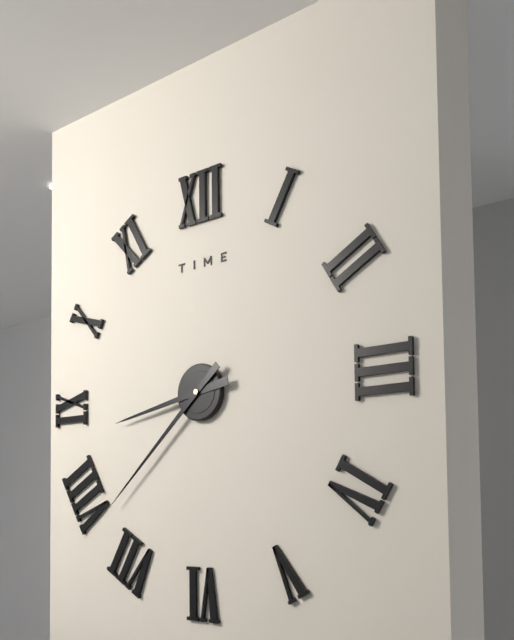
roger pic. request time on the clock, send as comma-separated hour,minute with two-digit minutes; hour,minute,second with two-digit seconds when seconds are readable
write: 8,38
